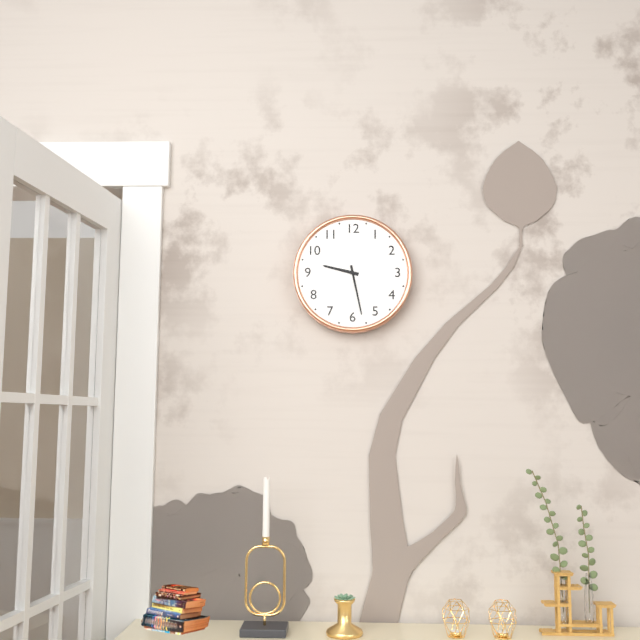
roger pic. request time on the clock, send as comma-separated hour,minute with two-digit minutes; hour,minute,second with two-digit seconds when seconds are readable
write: 9,28
